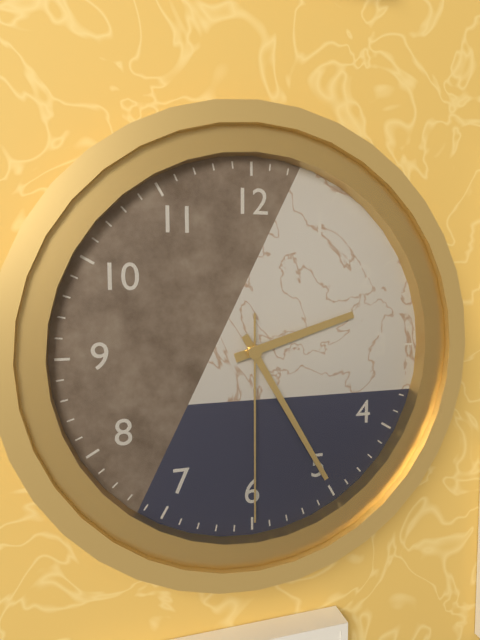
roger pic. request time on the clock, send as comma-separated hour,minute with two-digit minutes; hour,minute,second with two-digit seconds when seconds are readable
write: 2,25,30
